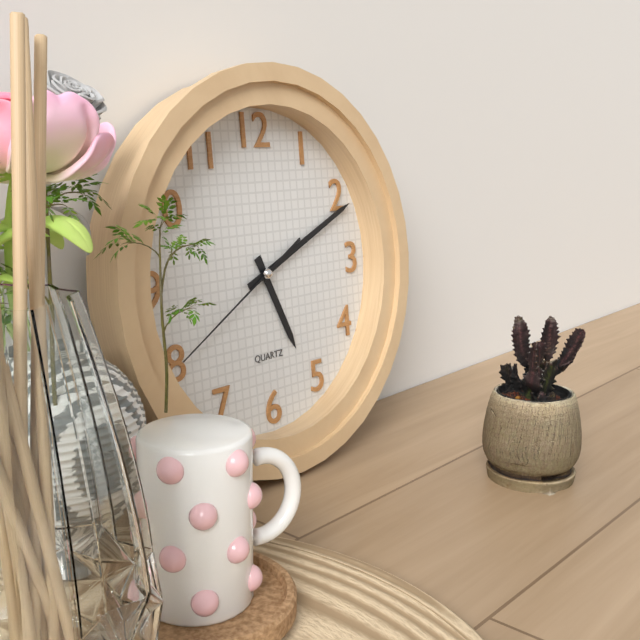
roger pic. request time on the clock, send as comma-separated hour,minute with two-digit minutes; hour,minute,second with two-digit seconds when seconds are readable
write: 5,11,40
